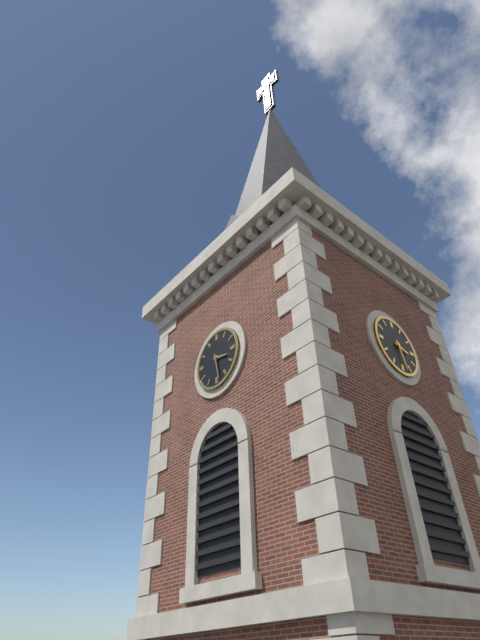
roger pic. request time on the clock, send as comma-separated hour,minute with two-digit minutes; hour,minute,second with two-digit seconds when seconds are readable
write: 3,28
